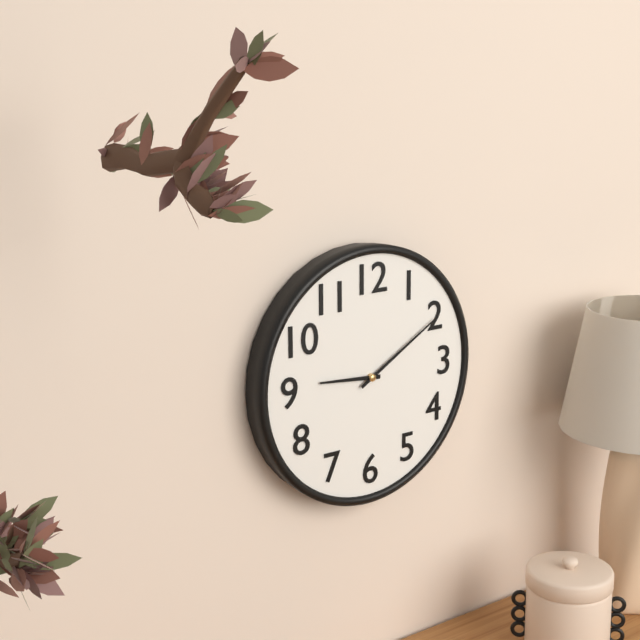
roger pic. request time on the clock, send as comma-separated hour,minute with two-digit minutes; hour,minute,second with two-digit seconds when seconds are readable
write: 9,10
